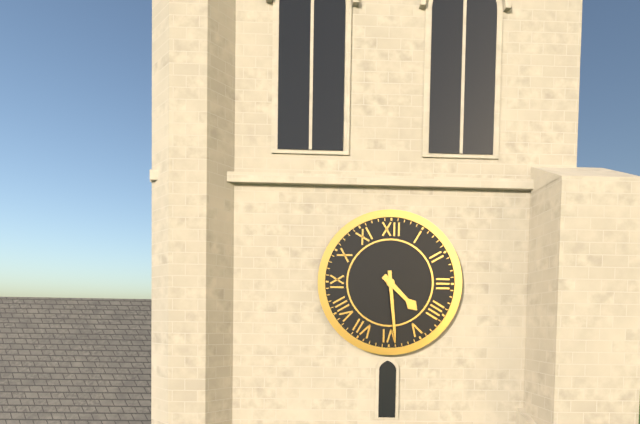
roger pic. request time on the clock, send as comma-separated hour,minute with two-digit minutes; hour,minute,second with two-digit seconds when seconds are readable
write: 4,29
